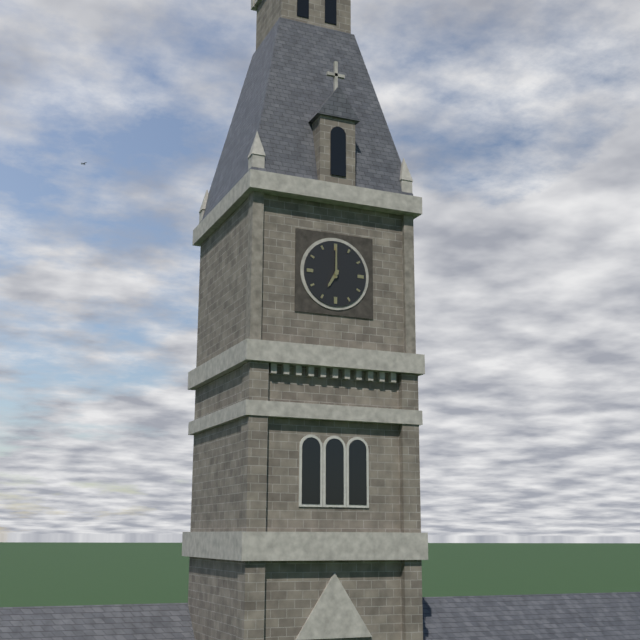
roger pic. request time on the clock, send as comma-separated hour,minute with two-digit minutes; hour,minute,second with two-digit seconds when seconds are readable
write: 7,00
